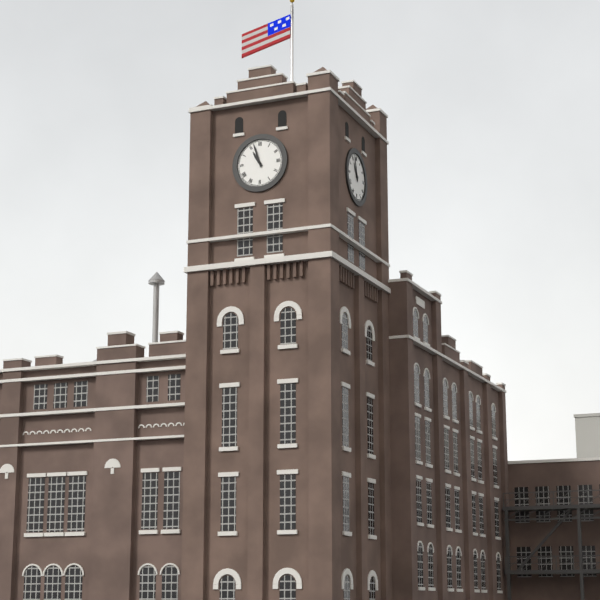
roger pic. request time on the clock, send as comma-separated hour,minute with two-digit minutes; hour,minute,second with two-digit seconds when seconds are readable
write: 10,57
